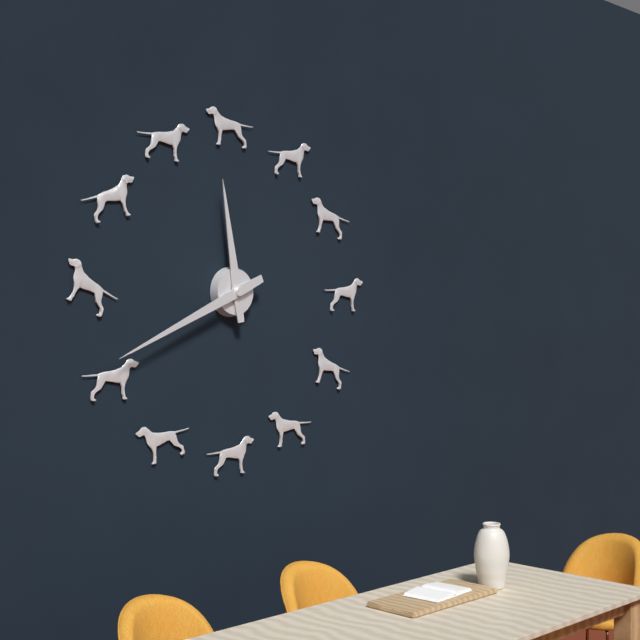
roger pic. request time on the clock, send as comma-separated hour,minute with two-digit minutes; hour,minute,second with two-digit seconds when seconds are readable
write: 11,41
